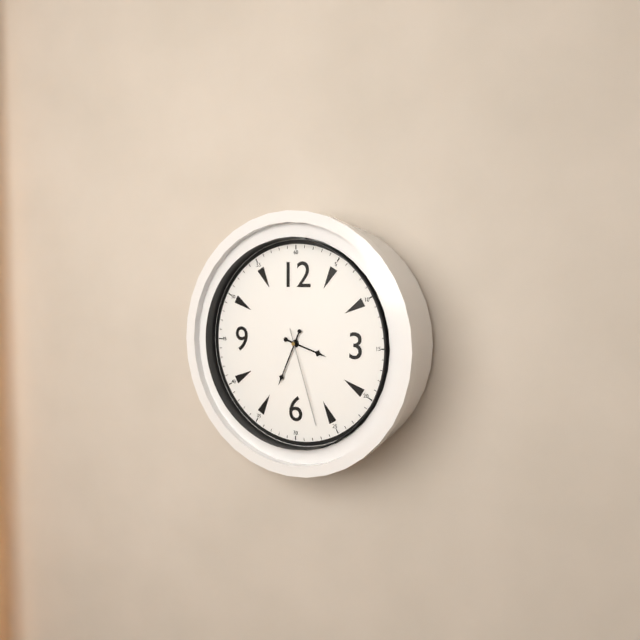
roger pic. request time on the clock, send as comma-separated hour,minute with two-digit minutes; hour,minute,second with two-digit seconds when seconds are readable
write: 3,34,27
